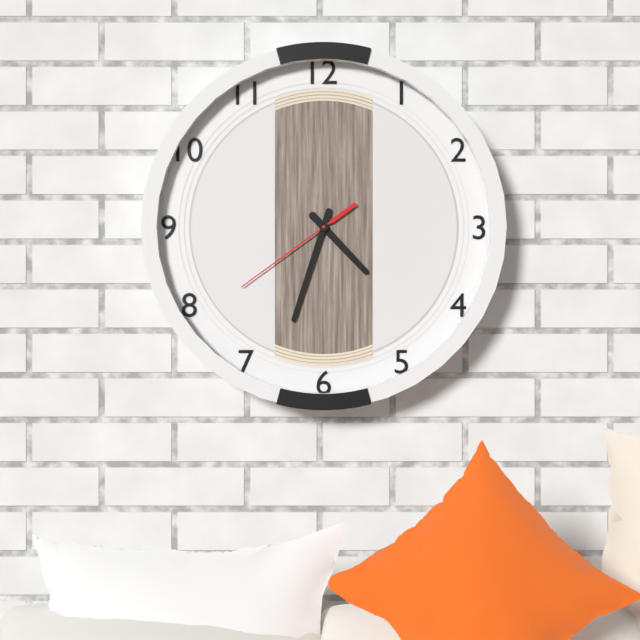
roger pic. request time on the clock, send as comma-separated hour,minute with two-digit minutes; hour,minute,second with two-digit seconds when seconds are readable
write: 4,33,39
